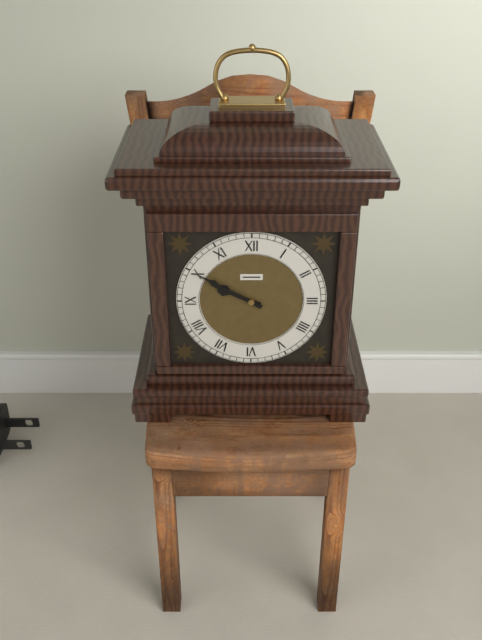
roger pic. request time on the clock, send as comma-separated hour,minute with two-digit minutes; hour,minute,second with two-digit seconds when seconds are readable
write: 9,50
